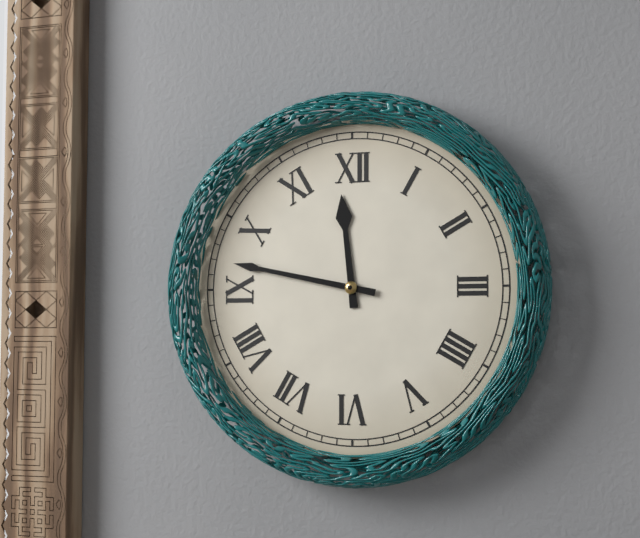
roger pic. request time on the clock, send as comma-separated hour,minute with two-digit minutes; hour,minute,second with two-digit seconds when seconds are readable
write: 11,47
